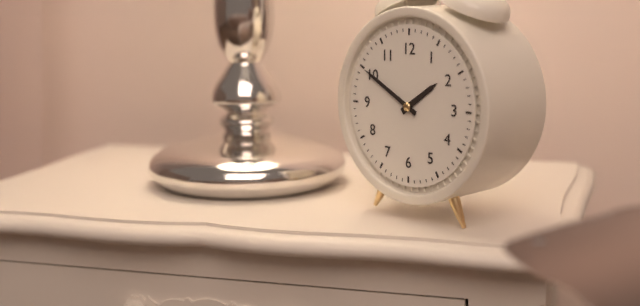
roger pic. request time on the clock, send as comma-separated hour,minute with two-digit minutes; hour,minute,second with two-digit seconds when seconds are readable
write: 1,50
